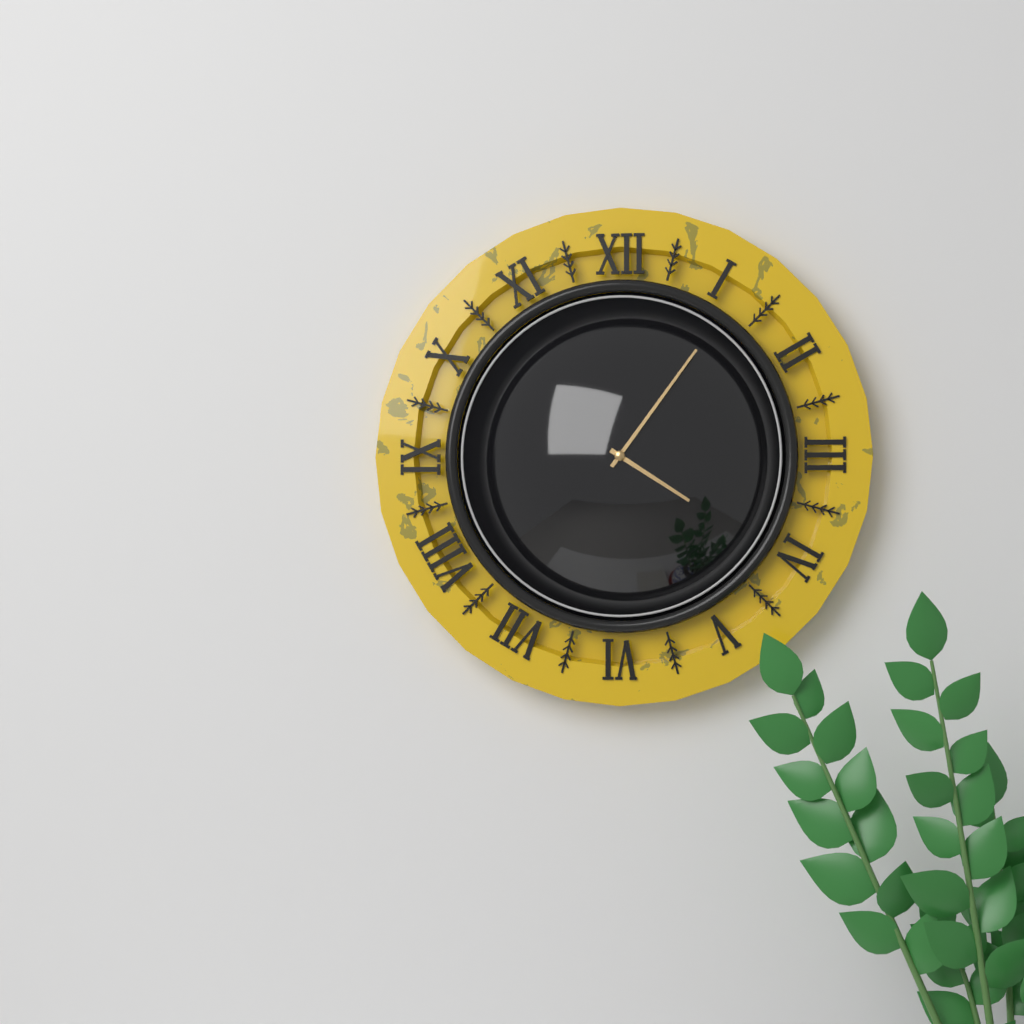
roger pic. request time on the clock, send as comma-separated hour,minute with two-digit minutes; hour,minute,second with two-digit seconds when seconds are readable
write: 4,06
